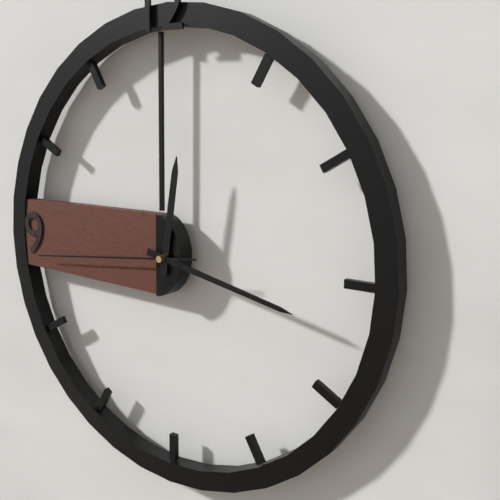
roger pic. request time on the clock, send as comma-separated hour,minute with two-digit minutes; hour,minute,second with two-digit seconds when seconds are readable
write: 12,17,44
